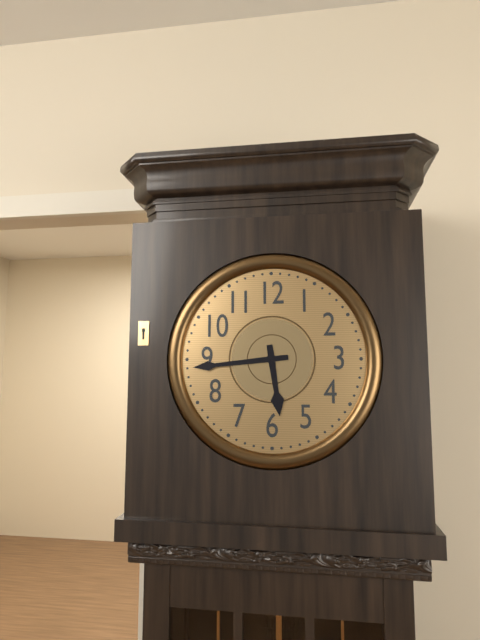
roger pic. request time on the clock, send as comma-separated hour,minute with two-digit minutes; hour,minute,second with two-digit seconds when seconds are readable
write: 5,44
